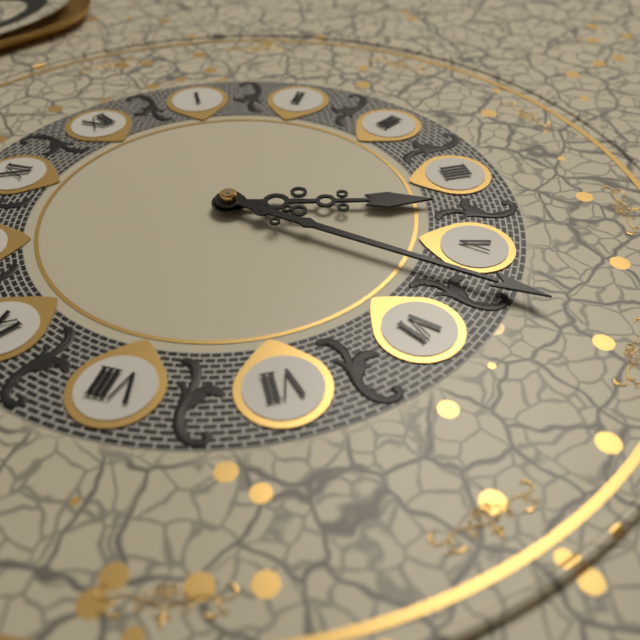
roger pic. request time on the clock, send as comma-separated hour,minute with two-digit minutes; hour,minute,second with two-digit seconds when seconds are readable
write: 4,27
